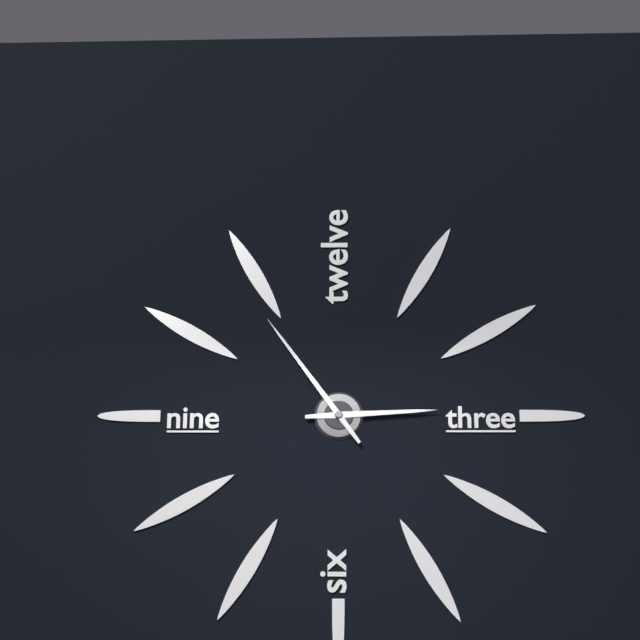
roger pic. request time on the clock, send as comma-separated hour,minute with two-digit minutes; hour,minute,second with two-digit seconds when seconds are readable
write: 2,54
